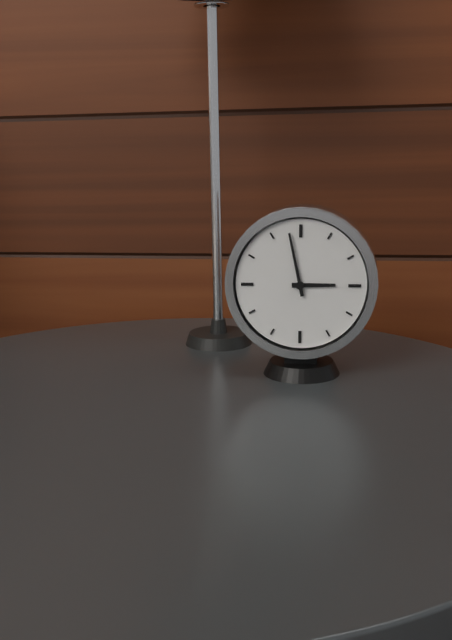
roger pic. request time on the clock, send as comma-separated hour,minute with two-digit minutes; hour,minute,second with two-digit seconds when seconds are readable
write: 2,58
